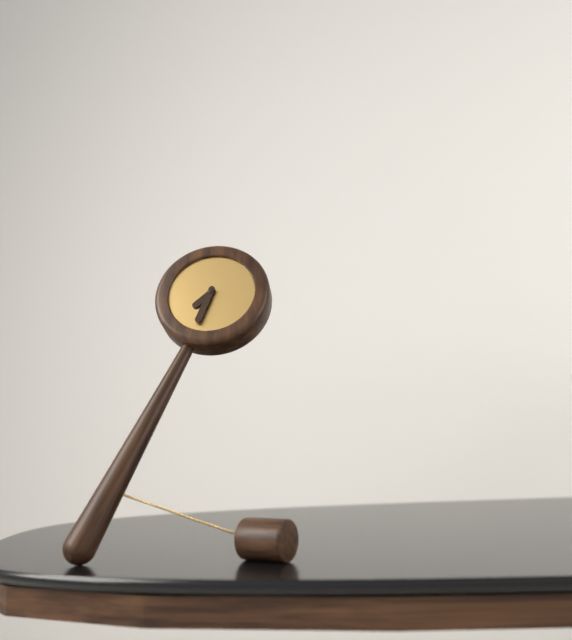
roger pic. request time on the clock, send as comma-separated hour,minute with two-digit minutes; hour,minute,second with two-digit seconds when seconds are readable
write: 7,33
